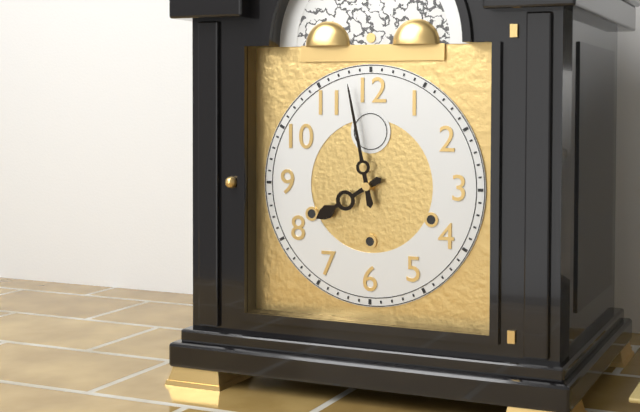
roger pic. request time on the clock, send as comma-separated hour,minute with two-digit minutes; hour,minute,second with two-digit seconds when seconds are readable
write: 7,58
